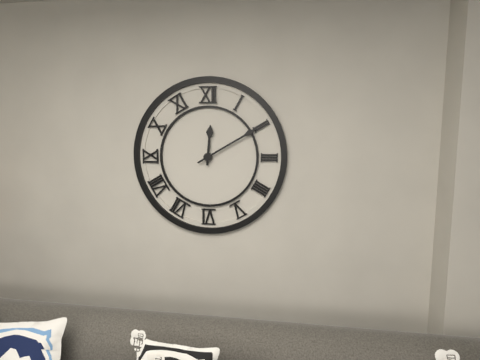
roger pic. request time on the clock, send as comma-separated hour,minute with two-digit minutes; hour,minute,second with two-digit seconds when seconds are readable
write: 12,10
